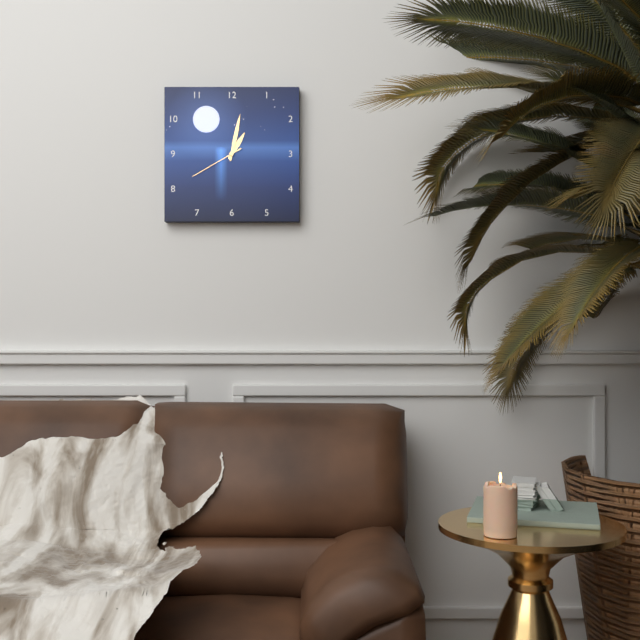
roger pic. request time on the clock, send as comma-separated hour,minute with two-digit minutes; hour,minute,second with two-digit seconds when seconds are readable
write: 1,02,40
